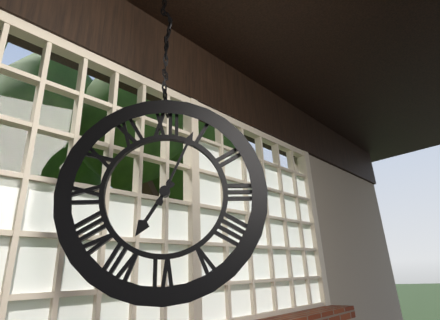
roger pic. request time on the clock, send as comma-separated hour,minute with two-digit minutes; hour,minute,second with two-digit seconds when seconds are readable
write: 7,04
